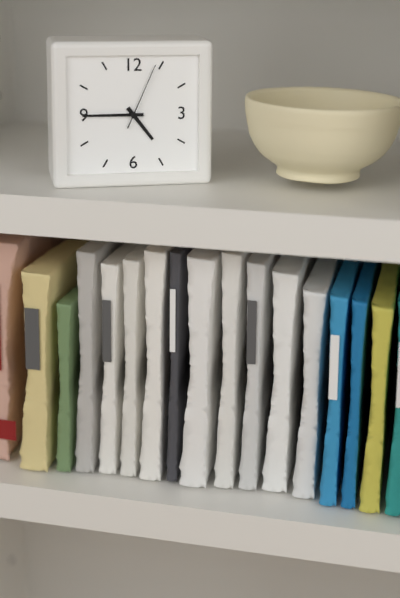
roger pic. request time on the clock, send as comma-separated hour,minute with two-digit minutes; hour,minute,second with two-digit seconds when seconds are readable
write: 4,45,04
